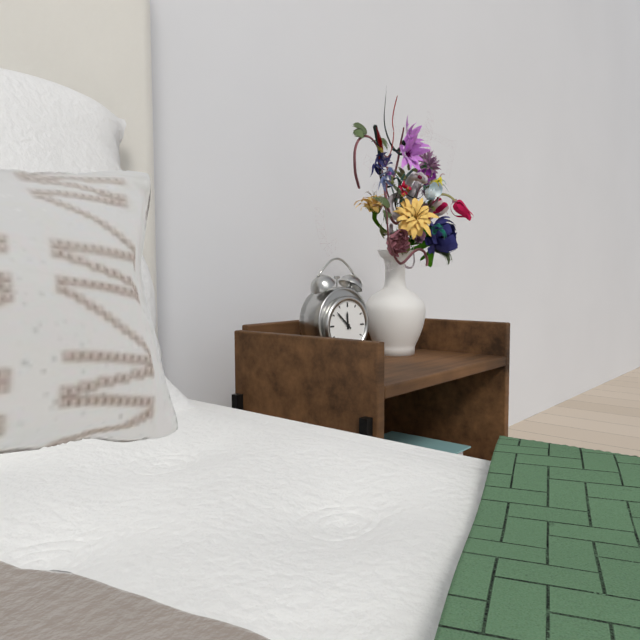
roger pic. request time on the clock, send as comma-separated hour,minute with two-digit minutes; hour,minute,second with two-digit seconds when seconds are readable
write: 11,52
